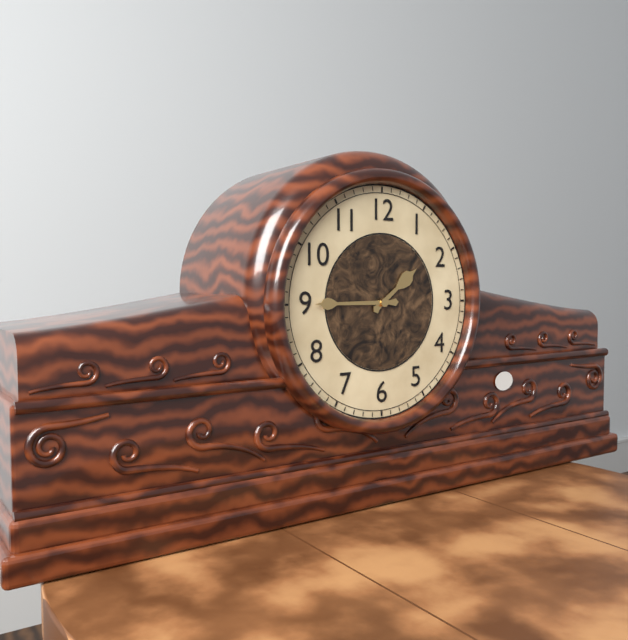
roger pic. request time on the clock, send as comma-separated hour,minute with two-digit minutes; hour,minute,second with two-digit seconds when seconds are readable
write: 1,45
